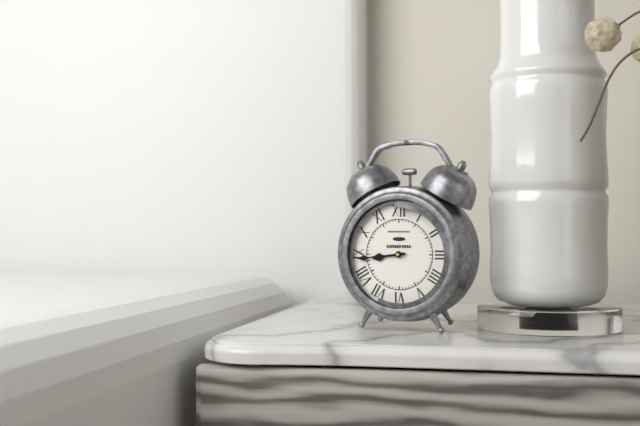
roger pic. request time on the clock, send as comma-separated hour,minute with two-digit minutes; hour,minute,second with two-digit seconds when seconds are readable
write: 8,44
